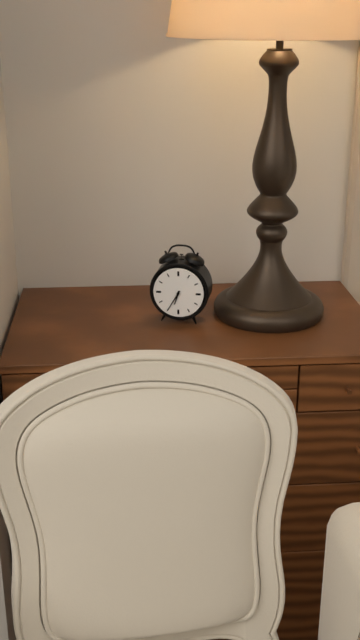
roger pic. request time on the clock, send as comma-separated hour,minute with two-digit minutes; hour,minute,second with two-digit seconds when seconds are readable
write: 6,35
